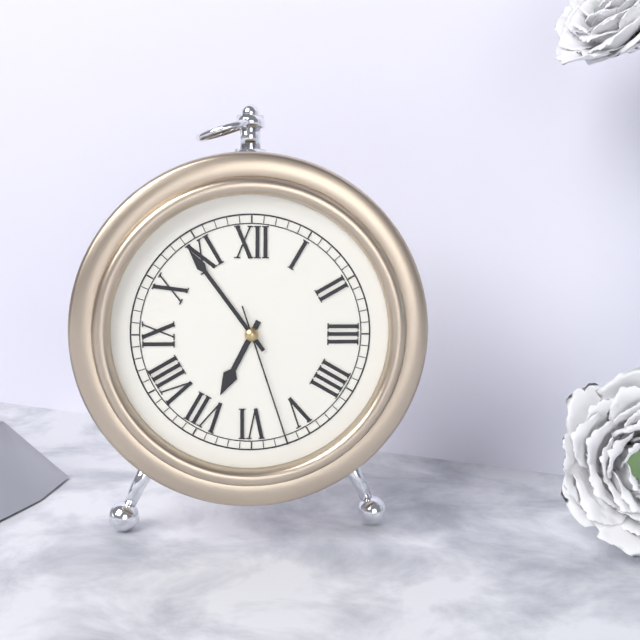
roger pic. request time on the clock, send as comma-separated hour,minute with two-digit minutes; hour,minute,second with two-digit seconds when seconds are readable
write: 6,54,27
